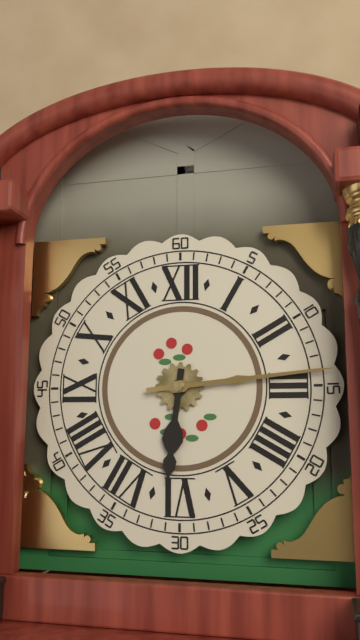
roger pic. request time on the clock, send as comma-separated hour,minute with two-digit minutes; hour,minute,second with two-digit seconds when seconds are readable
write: 6,14
